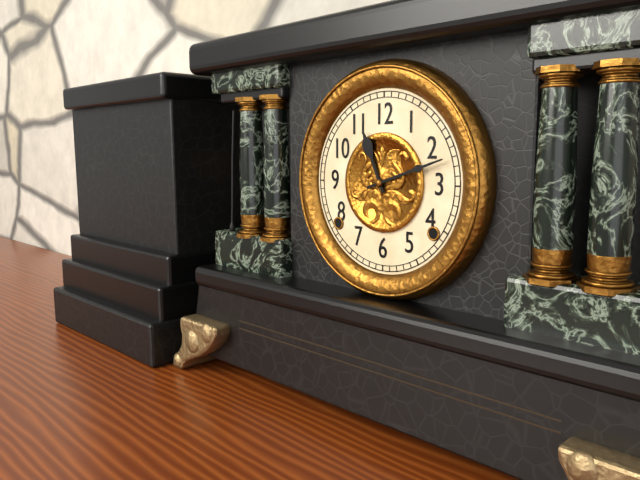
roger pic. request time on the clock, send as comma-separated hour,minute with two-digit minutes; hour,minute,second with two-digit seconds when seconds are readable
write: 11,12
